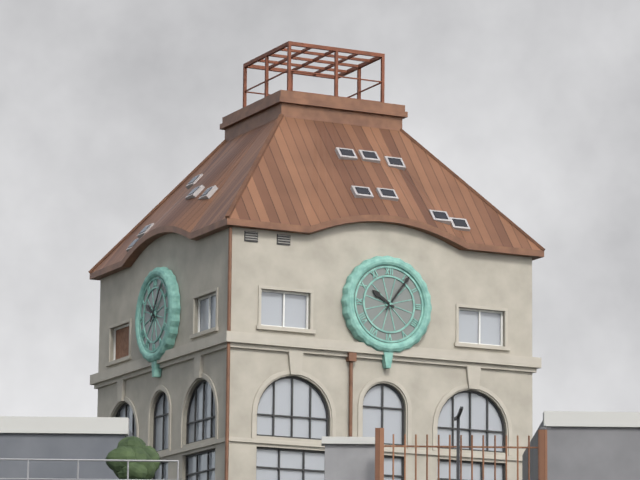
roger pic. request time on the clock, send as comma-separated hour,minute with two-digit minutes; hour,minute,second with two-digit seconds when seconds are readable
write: 10,06
